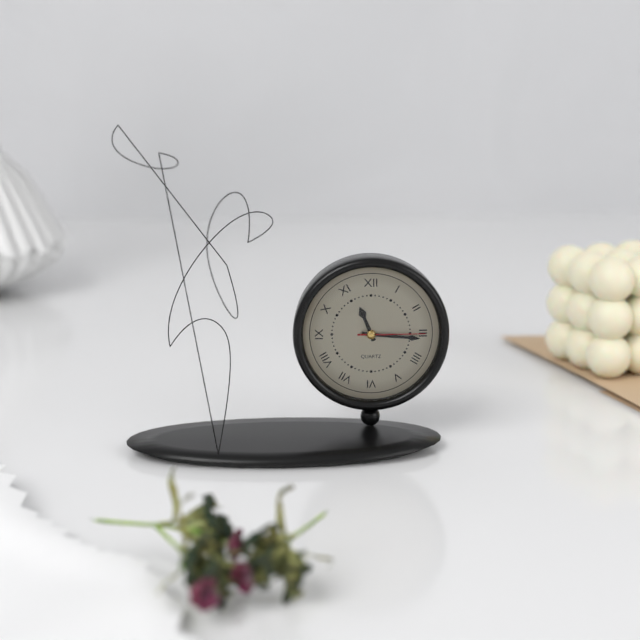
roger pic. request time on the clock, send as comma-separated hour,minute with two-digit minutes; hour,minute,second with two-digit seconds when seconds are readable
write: 11,16,15
